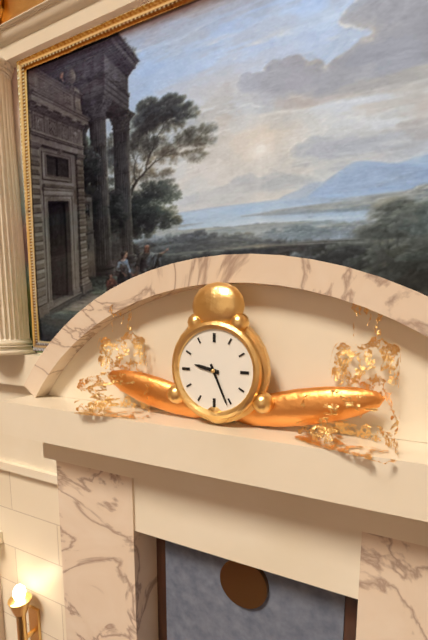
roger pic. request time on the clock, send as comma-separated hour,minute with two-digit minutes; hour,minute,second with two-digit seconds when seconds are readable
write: 9,26
